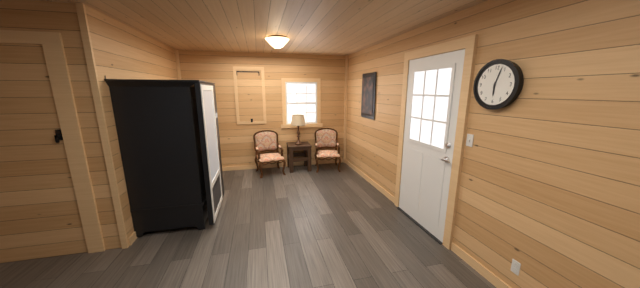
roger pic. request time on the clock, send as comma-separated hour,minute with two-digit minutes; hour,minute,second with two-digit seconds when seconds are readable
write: 6,03
